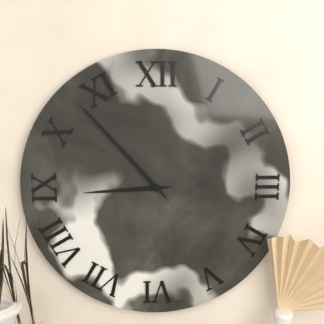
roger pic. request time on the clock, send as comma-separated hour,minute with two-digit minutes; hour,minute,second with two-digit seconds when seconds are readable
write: 8,53
